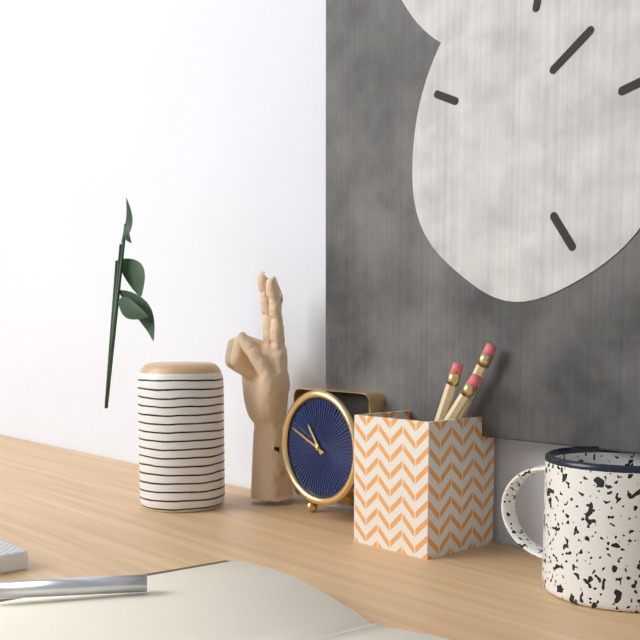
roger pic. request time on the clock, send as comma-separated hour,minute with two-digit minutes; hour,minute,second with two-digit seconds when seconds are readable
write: 10,49
